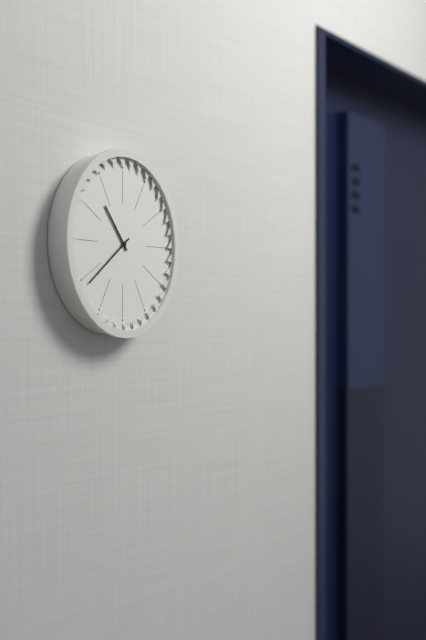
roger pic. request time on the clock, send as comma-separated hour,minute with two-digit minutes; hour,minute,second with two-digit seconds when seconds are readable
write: 10,39
